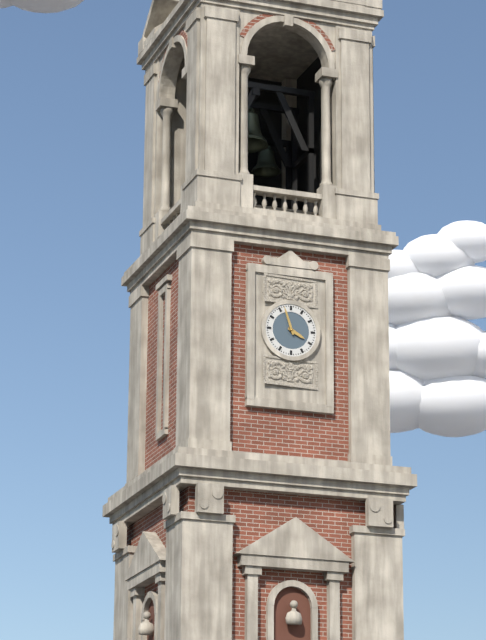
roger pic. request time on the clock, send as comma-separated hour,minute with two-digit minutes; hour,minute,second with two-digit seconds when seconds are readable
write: 3,57
